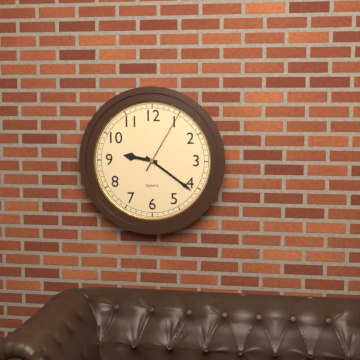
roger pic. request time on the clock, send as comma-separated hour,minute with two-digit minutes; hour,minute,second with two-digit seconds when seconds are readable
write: 9,21,05
